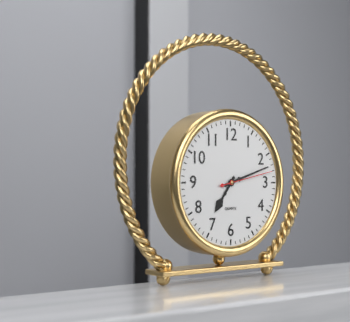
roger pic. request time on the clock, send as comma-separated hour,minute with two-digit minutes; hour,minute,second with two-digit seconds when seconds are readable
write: 7,12,13
